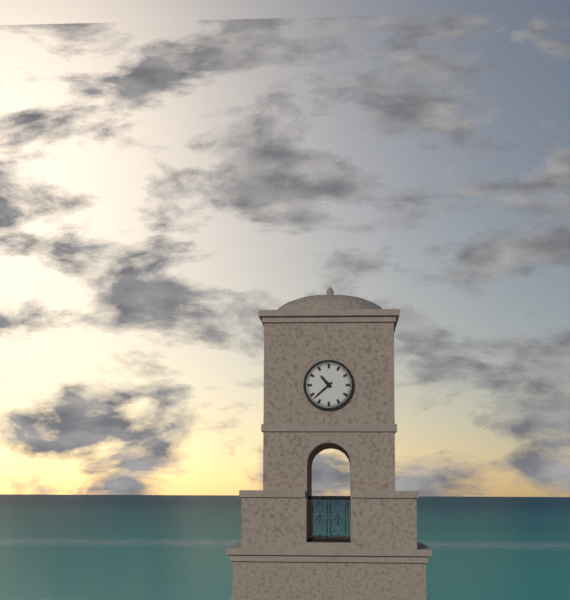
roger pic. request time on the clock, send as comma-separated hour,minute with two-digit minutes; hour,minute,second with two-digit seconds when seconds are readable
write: 10,38
